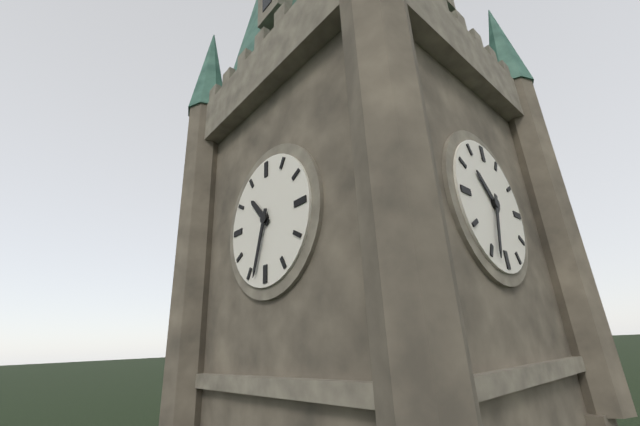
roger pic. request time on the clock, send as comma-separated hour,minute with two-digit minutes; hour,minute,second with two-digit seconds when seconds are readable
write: 10,33
